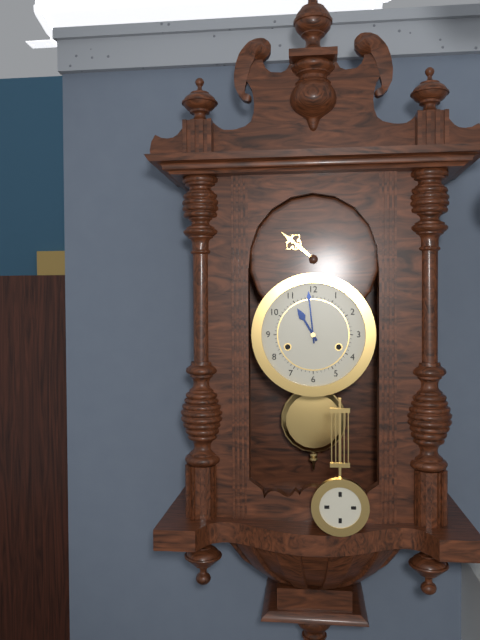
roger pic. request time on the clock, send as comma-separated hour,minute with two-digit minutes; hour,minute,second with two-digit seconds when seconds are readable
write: 10,59
